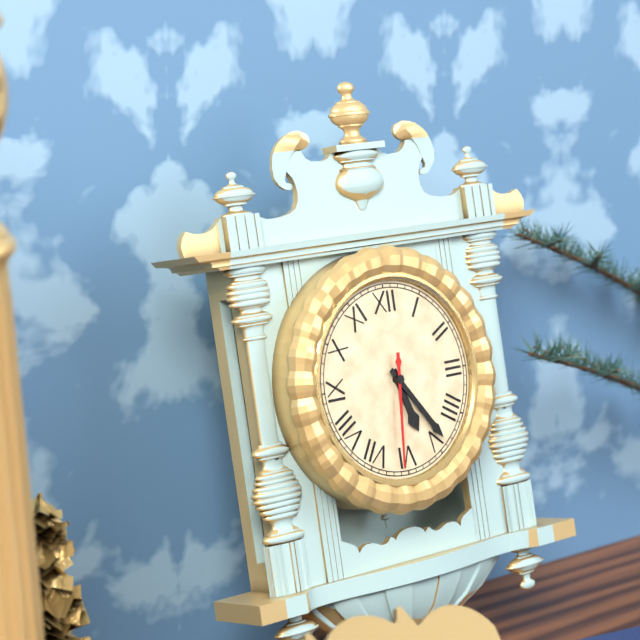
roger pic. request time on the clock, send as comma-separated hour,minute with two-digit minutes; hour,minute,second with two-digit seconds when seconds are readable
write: 5,24,31
